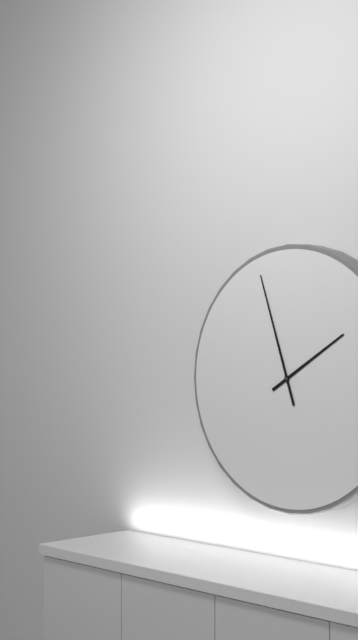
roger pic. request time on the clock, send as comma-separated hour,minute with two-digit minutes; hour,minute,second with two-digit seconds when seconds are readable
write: 1,57
